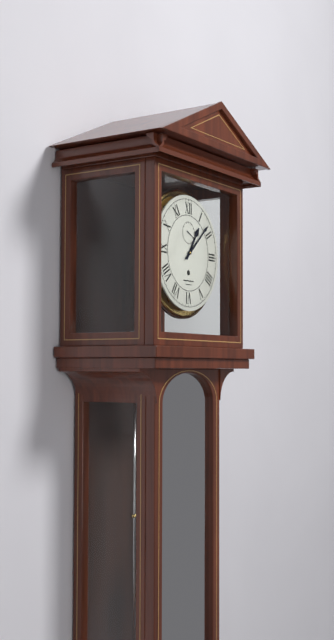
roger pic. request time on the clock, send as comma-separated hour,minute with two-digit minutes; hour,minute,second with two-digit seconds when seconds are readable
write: 1,08
